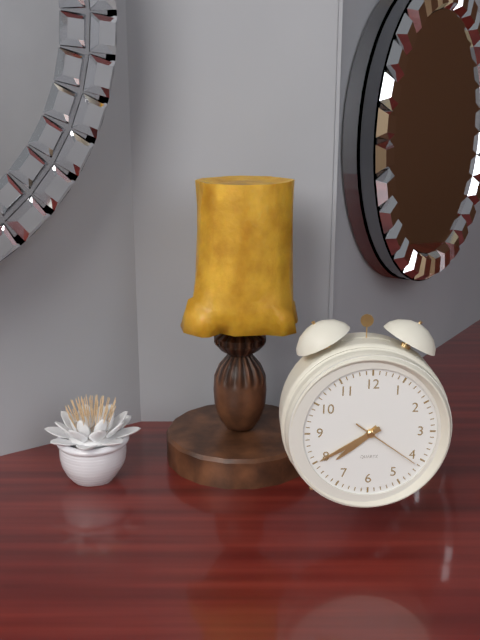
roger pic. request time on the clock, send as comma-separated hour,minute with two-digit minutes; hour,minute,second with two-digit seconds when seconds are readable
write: 7,40,21
